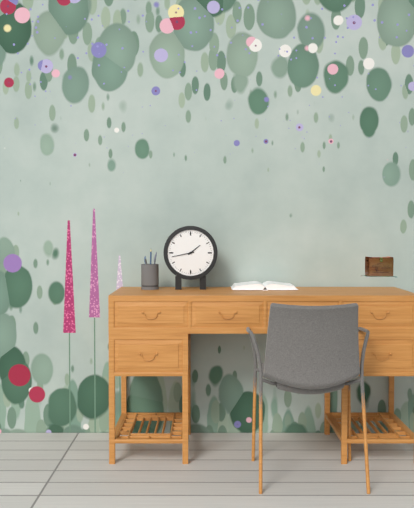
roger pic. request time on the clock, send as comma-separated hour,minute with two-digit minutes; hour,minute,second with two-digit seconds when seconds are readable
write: 1,43
